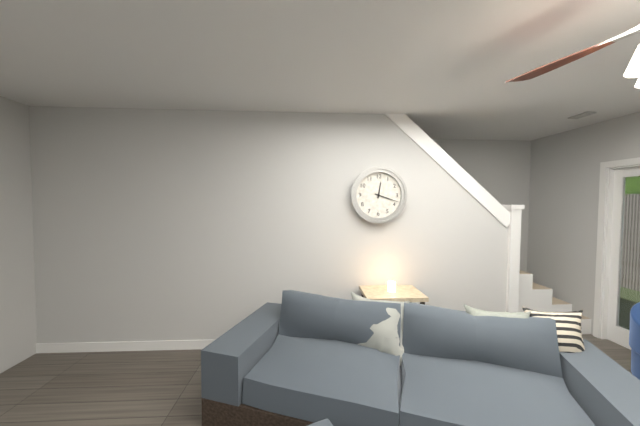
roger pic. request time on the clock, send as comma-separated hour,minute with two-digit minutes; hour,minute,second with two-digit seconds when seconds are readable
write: 12,18
